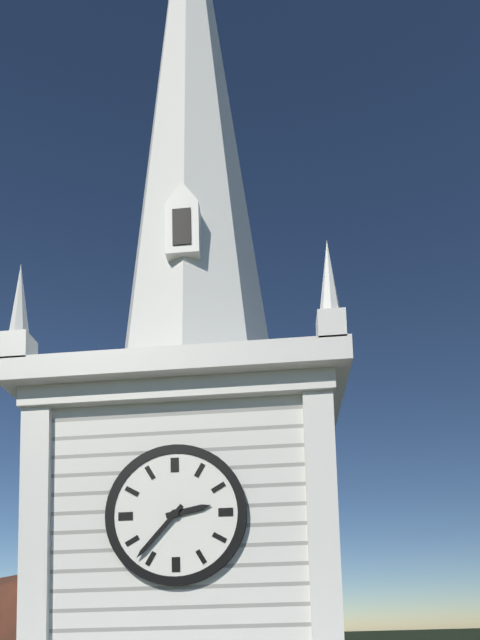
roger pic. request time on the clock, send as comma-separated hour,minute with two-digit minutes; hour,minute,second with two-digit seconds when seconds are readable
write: 2,37
